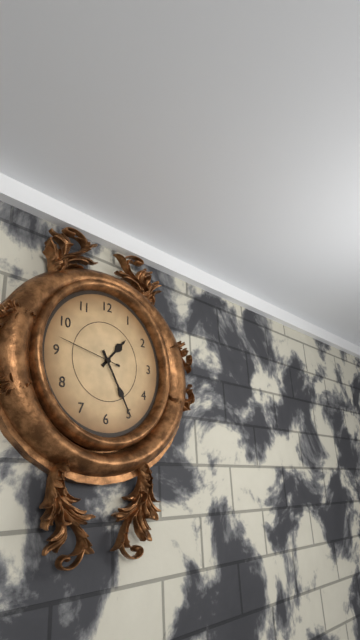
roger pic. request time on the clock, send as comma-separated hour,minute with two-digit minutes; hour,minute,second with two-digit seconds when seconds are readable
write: 1,25,47
